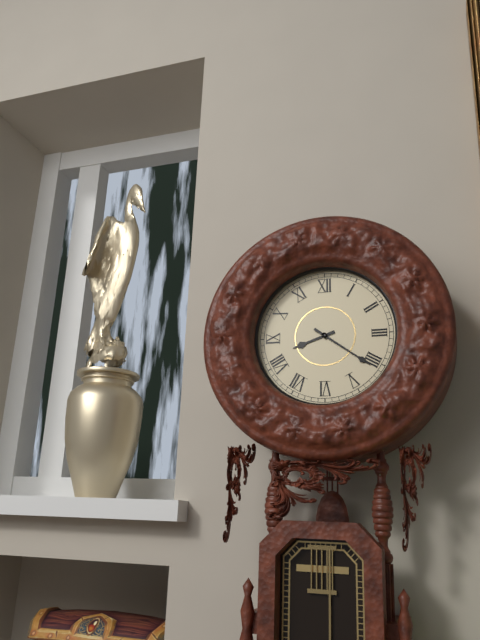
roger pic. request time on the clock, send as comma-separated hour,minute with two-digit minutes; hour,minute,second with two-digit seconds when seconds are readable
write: 8,21
